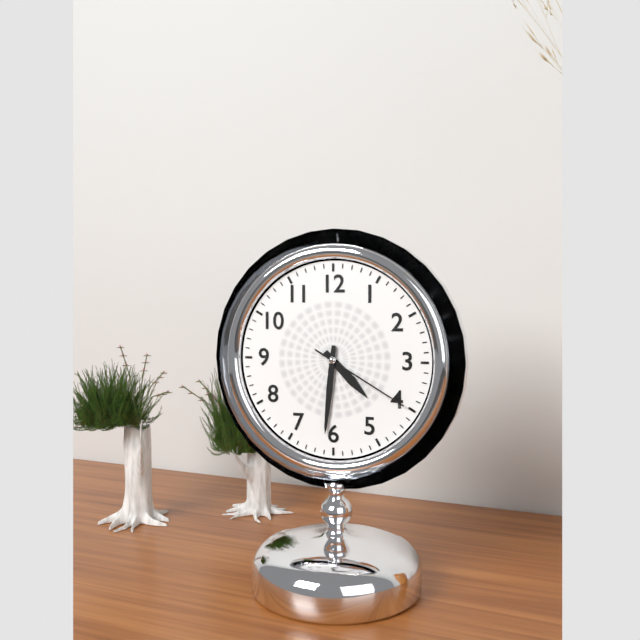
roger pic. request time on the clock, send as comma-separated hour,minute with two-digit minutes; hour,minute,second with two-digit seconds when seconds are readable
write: 4,31,20
